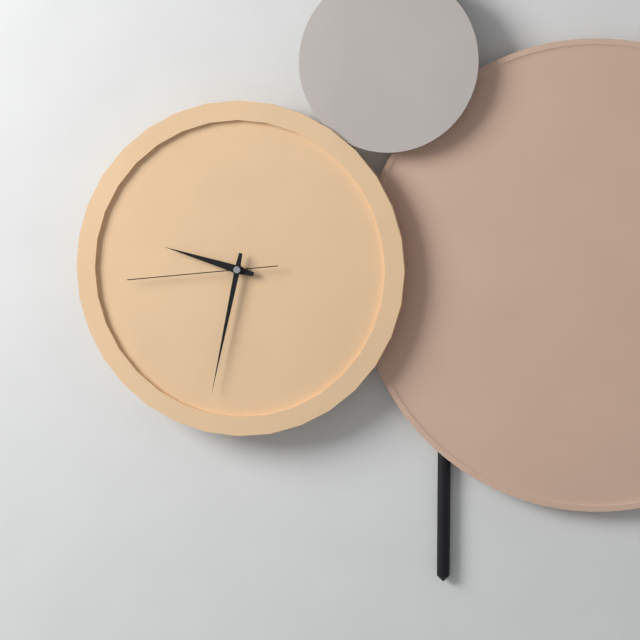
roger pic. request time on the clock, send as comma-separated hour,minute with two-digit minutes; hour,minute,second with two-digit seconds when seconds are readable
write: 9,32,44
